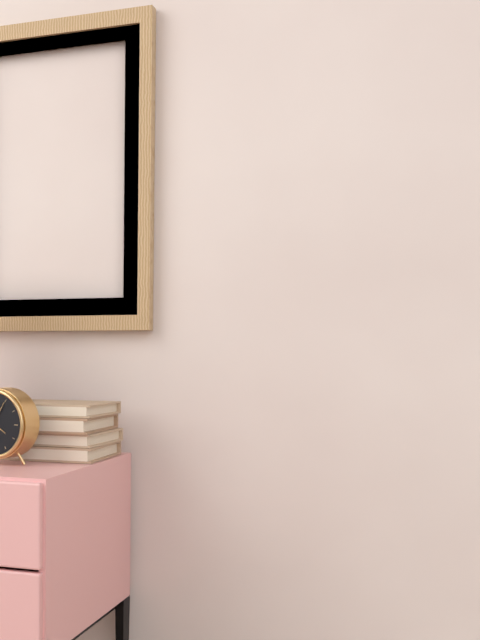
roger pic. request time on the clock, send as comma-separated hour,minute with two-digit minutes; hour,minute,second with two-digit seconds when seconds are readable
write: 4,05
